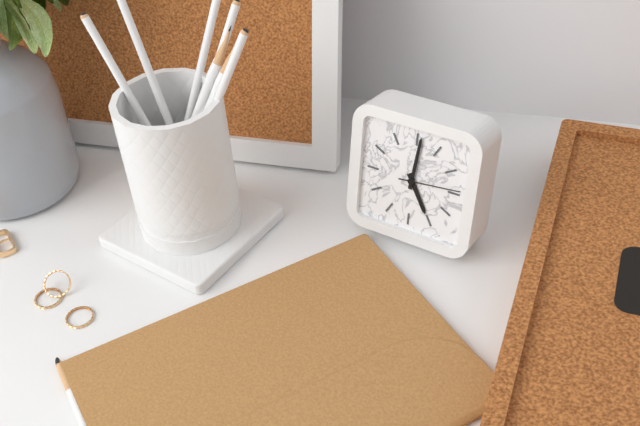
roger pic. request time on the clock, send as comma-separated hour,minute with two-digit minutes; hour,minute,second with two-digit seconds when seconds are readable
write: 5,01,14
